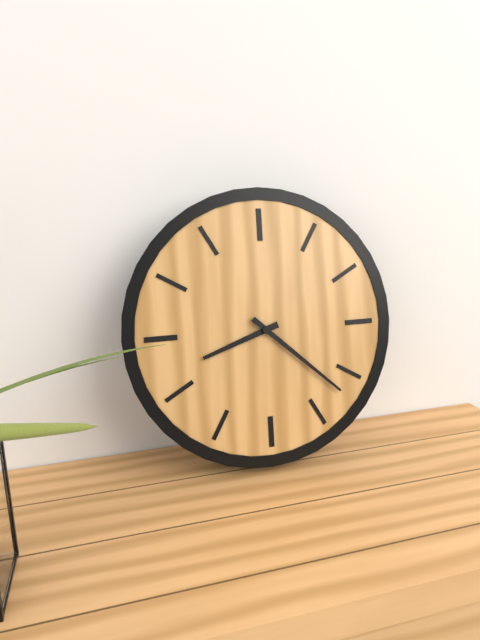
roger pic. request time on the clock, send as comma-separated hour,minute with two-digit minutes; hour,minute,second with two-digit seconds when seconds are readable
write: 8,22
